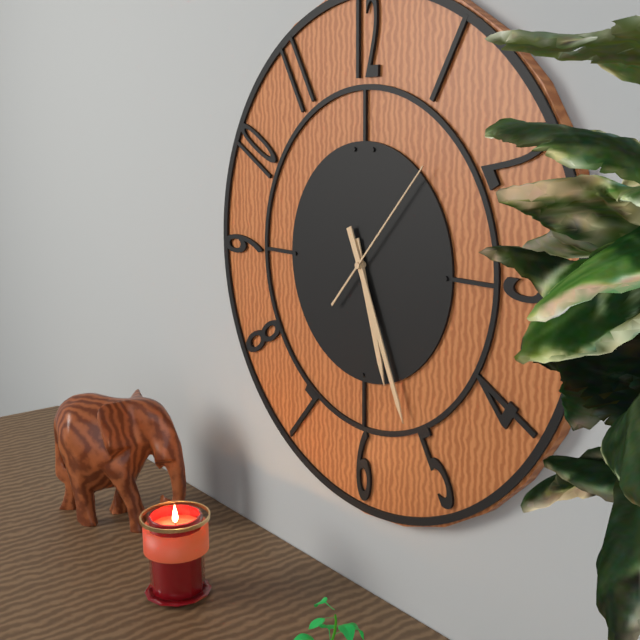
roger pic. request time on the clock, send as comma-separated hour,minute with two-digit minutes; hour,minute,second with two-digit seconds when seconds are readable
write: 5,26,07
